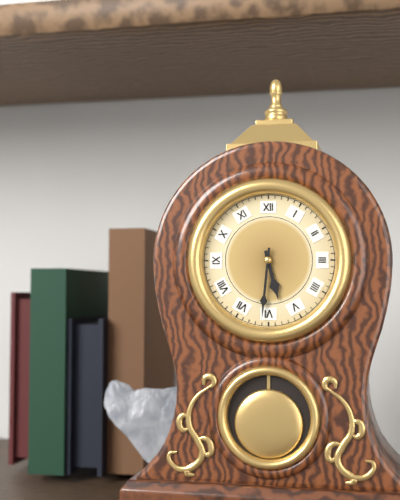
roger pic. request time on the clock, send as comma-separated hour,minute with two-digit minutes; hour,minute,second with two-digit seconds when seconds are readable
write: 5,31
